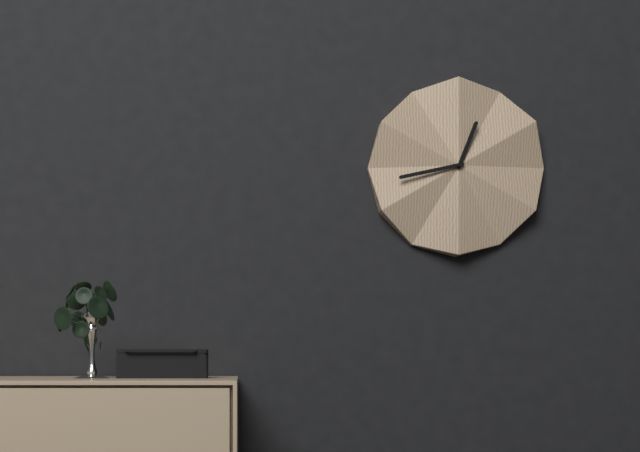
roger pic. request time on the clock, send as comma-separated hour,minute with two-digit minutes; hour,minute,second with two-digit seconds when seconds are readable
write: 12,43
